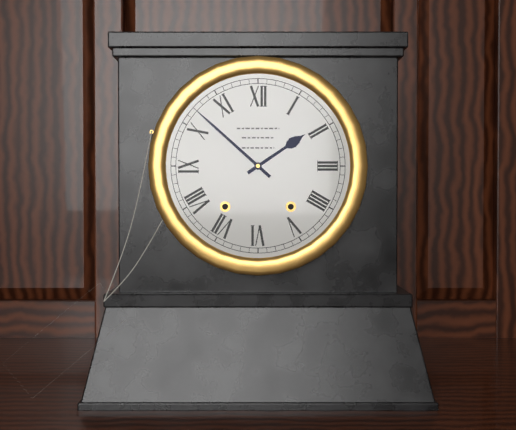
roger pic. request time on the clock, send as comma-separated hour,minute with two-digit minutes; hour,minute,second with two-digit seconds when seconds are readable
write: 1,52
